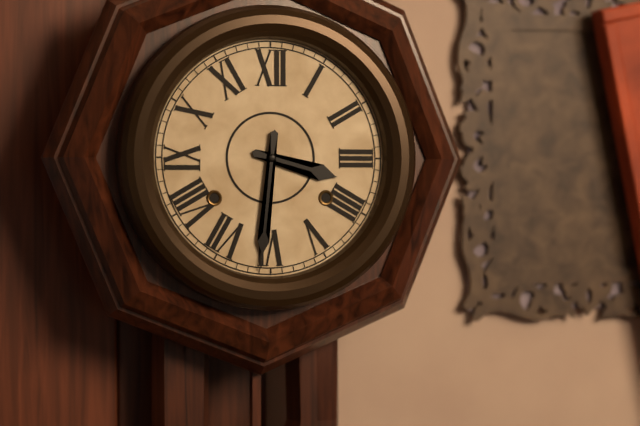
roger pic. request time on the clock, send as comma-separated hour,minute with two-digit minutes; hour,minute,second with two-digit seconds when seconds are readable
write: 3,31
